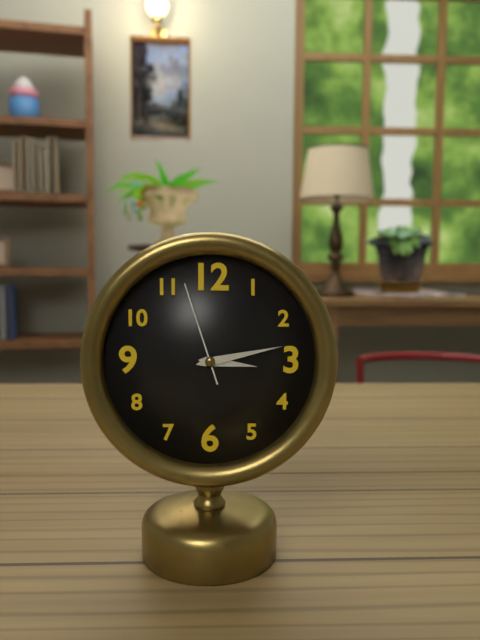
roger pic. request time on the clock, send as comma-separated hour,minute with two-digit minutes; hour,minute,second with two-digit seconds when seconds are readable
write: 3,13,57
